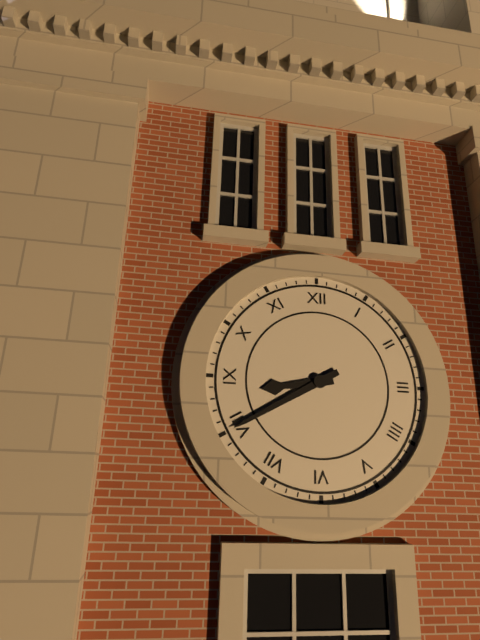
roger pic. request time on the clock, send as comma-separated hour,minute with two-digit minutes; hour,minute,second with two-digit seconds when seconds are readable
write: 8,40
